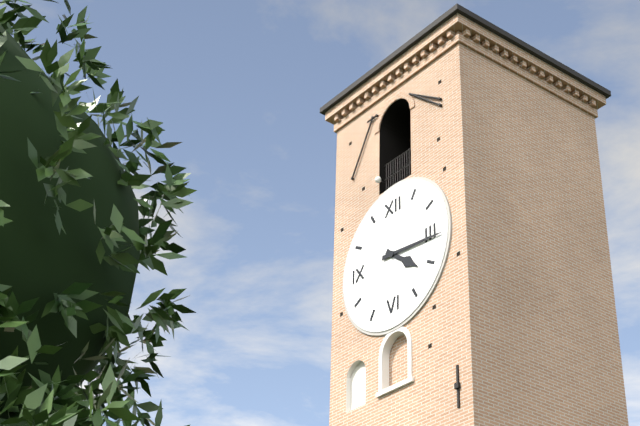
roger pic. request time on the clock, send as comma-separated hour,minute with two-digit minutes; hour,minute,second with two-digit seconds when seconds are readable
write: 4,16
